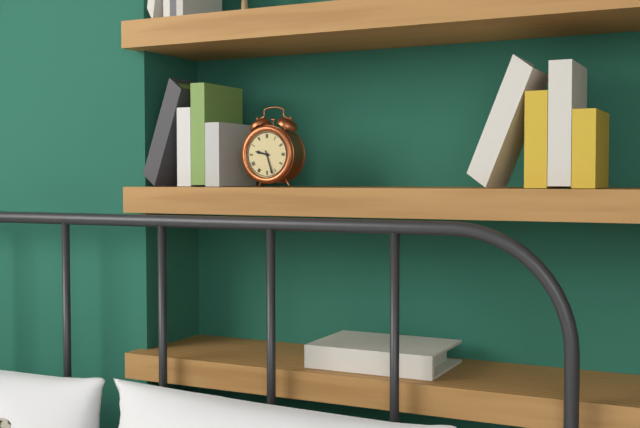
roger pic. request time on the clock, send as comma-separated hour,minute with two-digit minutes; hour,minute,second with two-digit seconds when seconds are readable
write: 9,27
